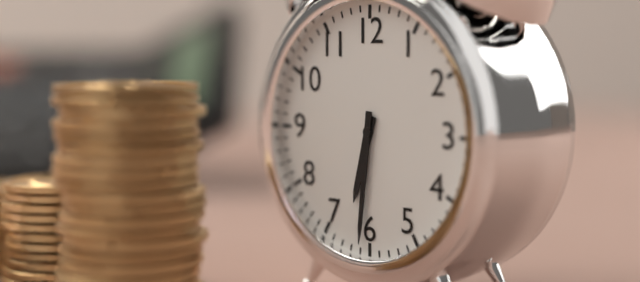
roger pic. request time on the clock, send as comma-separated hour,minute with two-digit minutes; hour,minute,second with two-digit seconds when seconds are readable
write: 6,31
